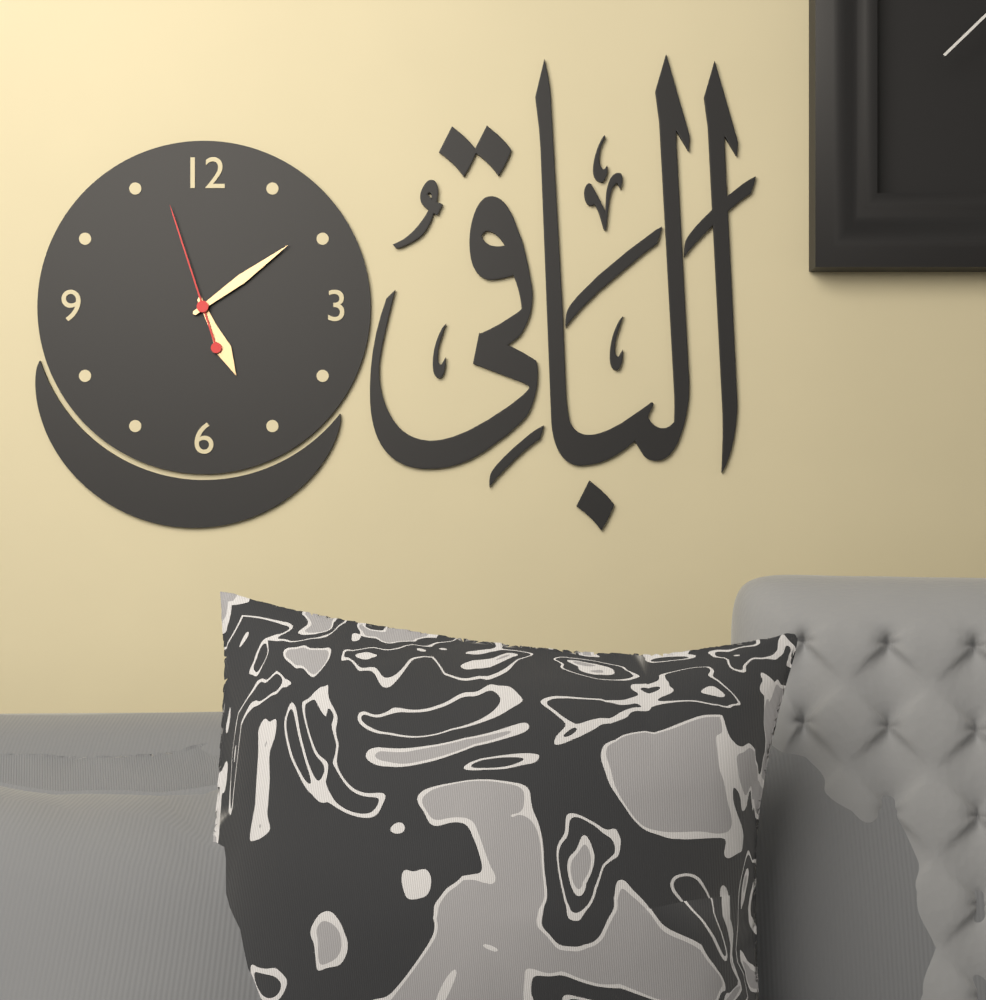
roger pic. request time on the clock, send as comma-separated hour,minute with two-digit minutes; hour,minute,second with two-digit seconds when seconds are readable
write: 5,09,57
